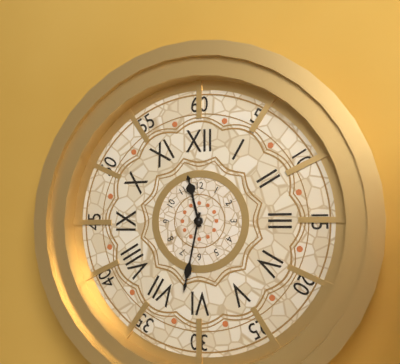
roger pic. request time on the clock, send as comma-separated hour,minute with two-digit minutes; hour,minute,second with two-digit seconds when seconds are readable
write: 11,32
